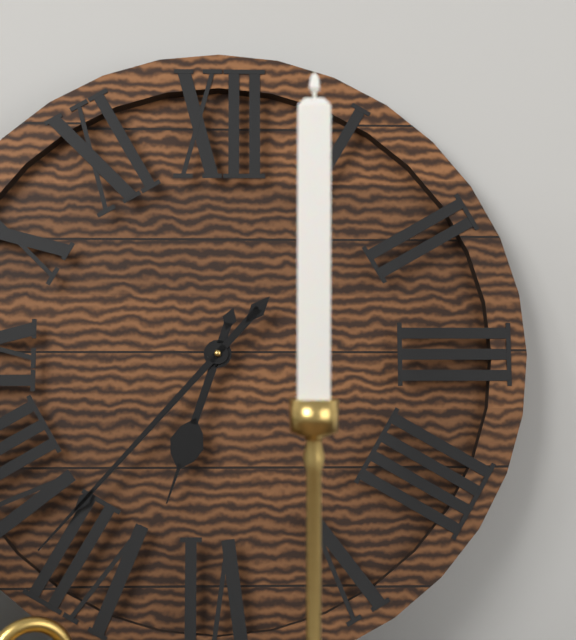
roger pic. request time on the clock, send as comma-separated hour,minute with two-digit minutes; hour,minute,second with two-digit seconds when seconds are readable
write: 6,37
